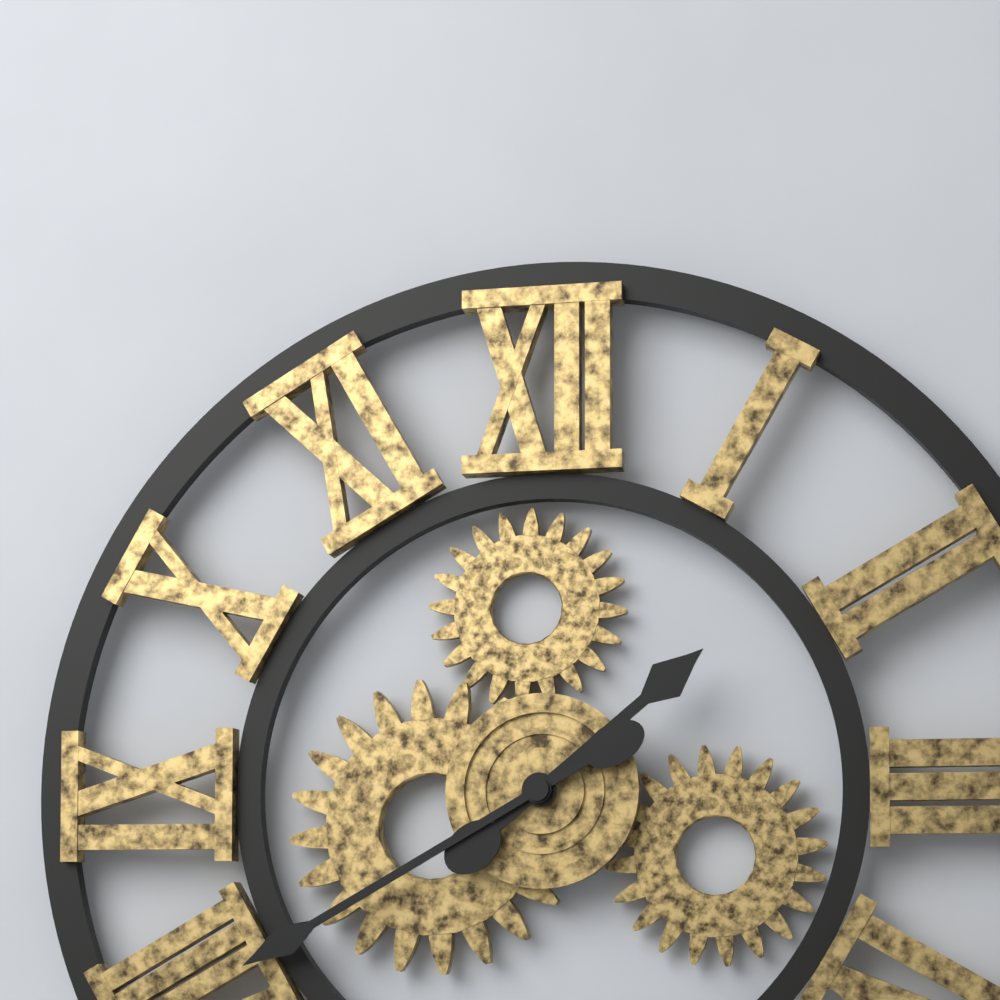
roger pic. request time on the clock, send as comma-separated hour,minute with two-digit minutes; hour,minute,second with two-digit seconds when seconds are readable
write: 1,40
